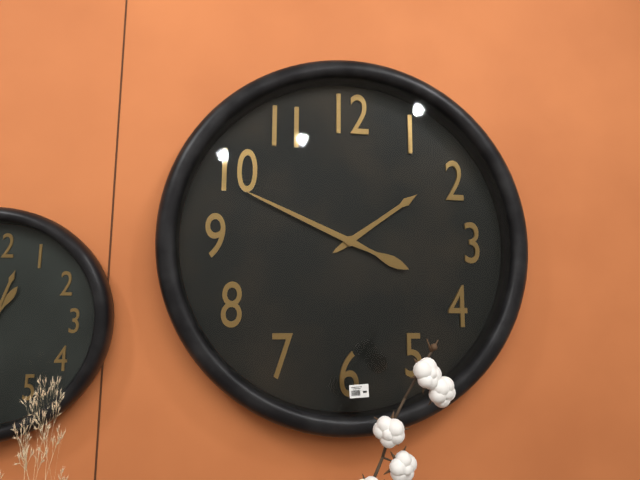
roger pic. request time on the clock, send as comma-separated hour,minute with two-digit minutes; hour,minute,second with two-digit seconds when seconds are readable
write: 1,49
